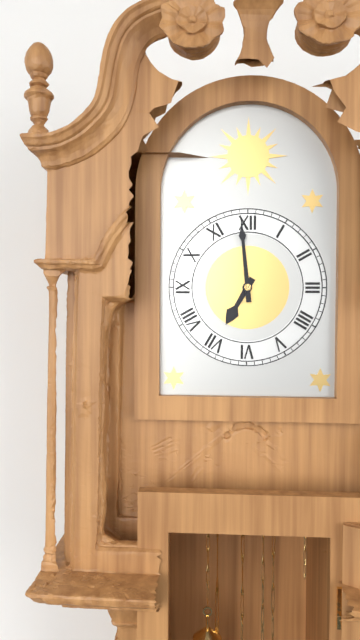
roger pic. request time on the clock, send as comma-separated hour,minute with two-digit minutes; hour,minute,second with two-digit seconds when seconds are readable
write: 6,59
